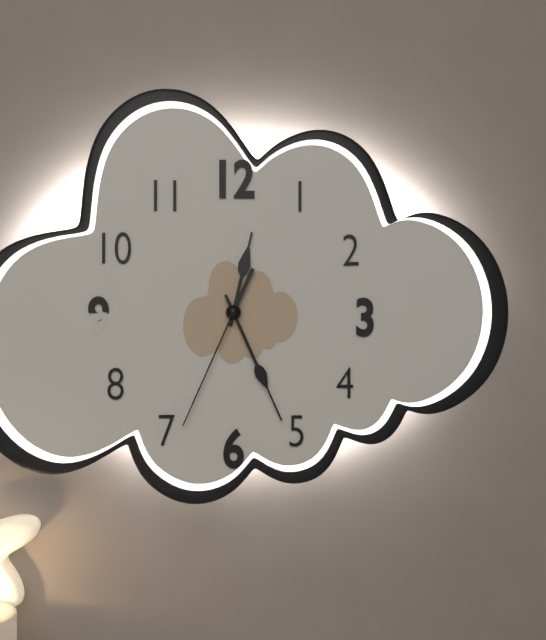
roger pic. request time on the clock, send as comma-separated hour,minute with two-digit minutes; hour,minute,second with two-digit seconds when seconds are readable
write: 12,26,34
